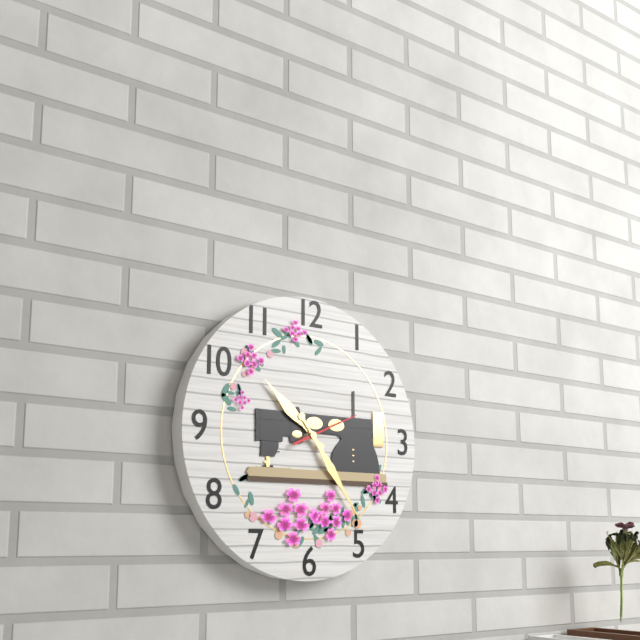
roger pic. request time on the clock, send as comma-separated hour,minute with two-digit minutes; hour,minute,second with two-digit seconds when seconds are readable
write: 10,24,11
